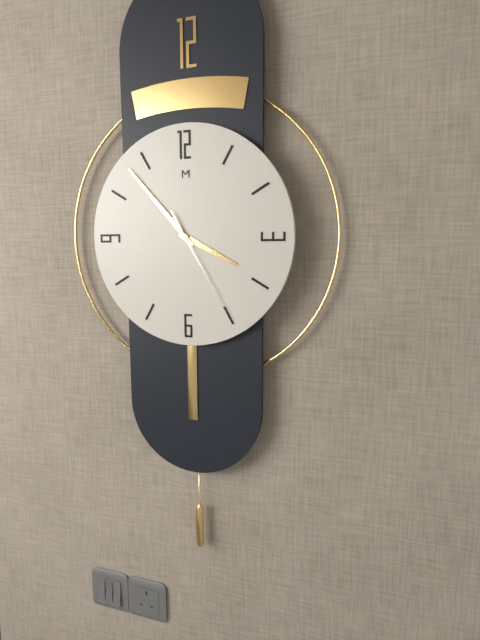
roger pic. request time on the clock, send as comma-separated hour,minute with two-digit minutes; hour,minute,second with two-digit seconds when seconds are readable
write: 3,53,25
